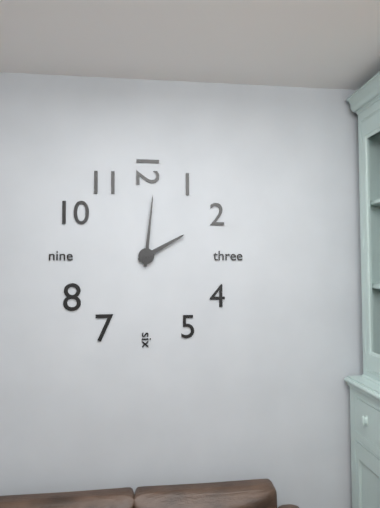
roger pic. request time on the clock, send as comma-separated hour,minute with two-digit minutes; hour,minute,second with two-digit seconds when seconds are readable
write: 2,01
